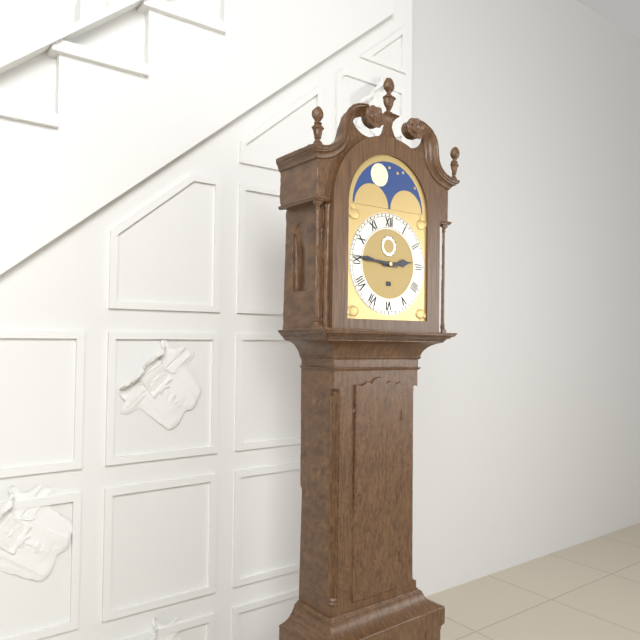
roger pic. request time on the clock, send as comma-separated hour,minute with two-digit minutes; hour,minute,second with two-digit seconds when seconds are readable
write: 2,46
